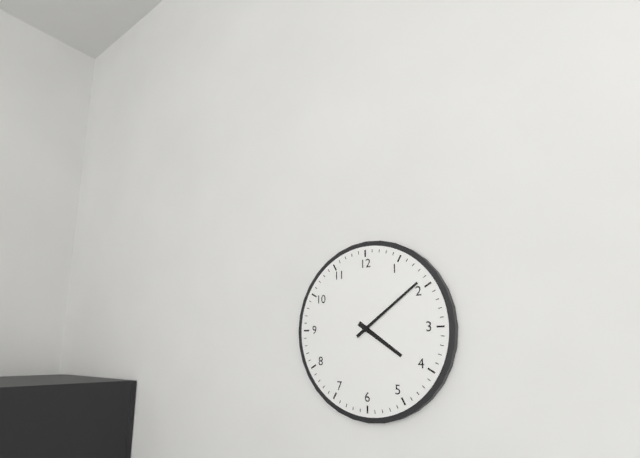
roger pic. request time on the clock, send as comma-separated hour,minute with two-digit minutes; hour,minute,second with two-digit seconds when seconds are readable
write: 4,09
